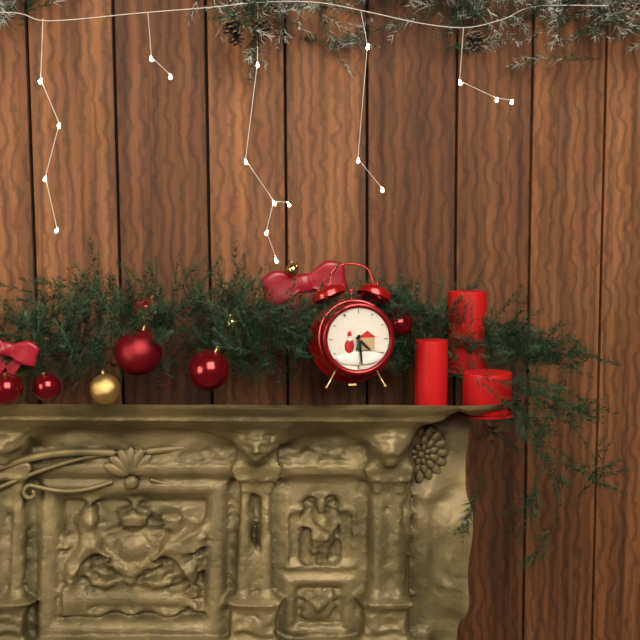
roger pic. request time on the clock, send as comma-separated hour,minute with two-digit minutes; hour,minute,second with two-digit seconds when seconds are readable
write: 4,29
